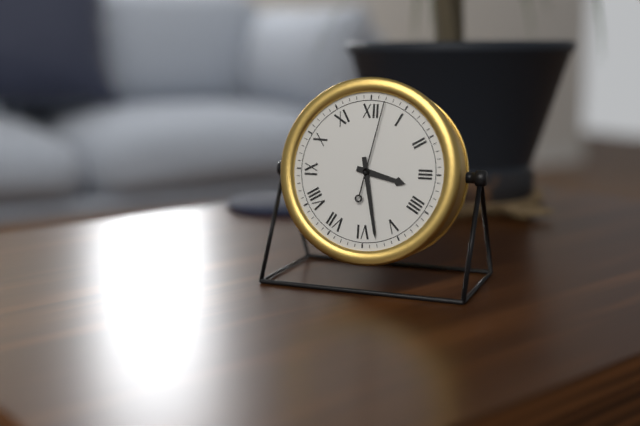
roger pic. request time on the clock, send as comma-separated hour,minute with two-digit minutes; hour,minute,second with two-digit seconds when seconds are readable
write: 3,28,02
